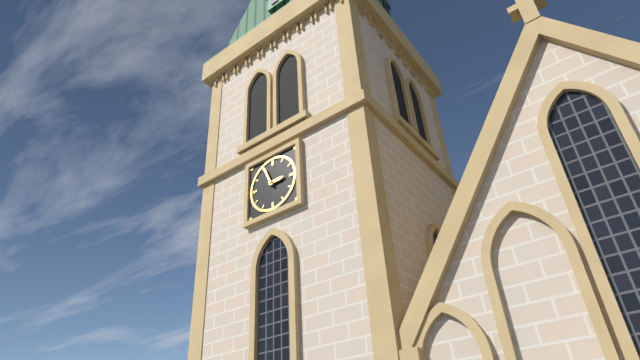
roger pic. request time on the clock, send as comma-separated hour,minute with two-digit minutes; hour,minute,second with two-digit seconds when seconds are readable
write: 2,56
